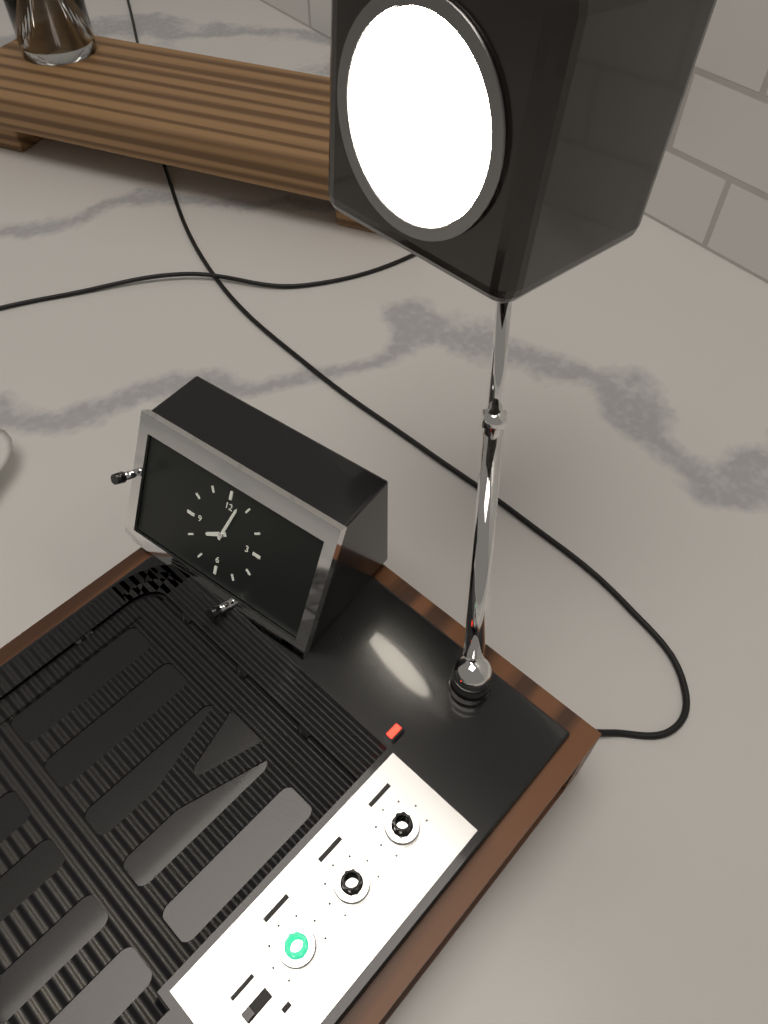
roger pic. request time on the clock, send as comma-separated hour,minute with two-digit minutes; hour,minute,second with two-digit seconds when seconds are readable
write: 8,03
